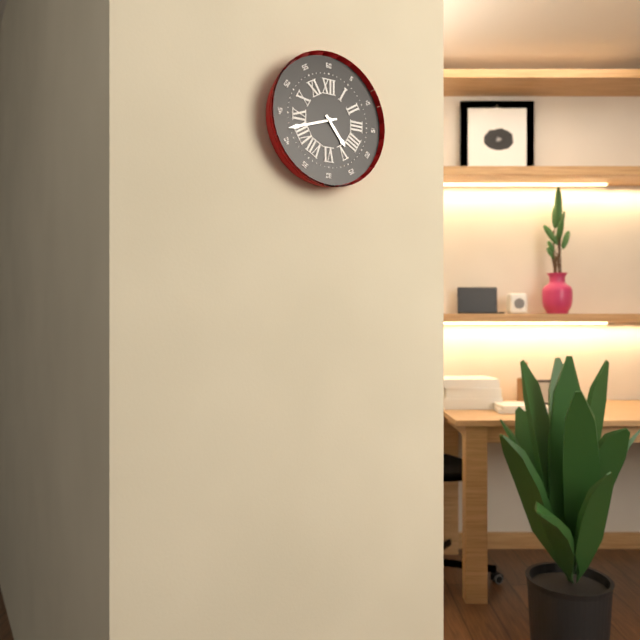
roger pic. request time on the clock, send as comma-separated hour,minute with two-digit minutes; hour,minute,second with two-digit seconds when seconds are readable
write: 4,42
